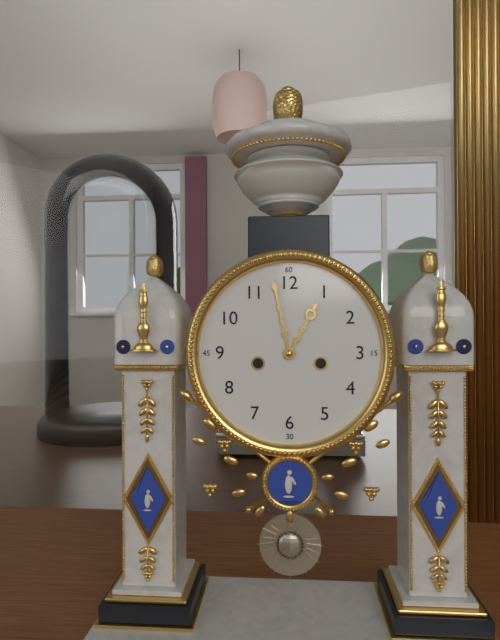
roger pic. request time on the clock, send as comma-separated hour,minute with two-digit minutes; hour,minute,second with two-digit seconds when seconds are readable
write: 12,58
